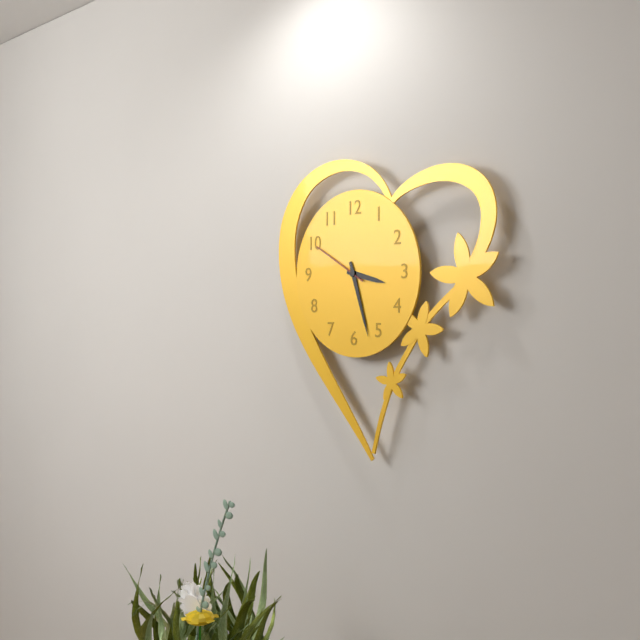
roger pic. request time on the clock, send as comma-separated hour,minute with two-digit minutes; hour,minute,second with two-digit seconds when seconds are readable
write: 3,27,50
